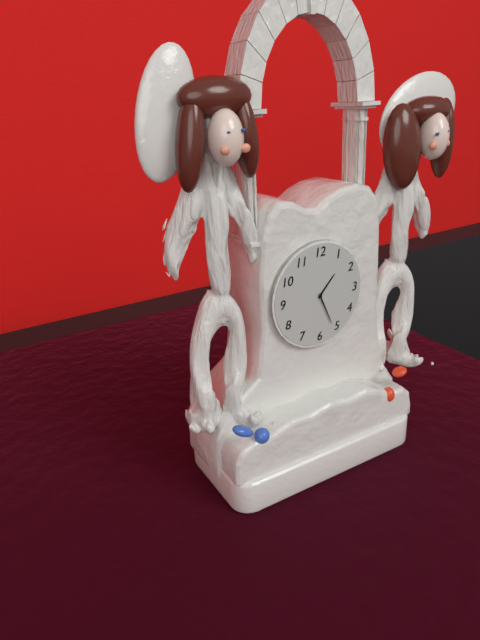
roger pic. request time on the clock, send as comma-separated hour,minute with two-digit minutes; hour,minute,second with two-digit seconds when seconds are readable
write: 1,26
